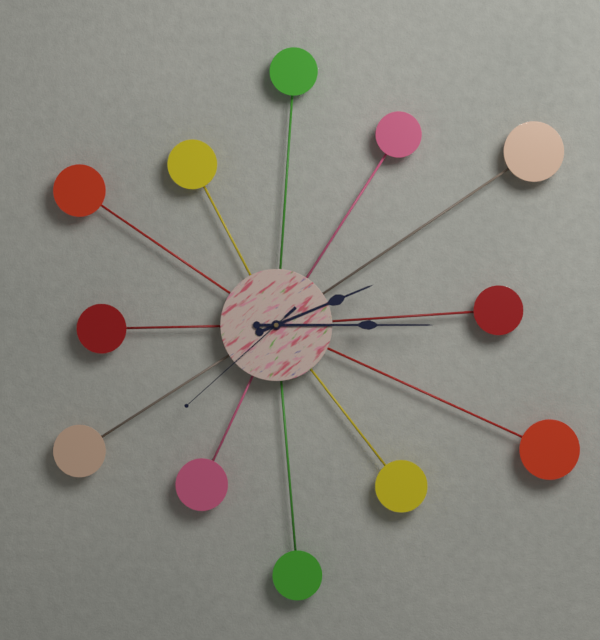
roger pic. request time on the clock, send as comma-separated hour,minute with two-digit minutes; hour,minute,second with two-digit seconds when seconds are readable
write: 2,15,38
